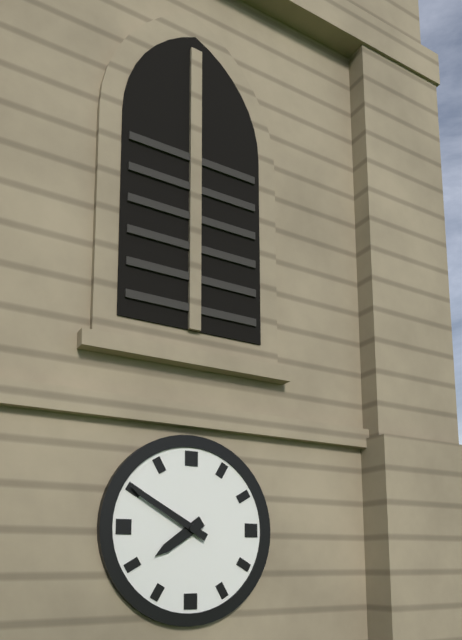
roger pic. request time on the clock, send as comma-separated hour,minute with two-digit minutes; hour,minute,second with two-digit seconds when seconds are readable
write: 7,50
